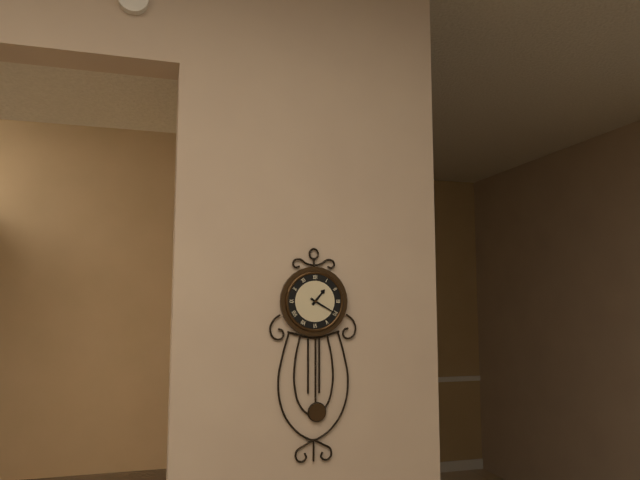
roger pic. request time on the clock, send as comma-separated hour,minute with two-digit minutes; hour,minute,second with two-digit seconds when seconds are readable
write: 1,20
